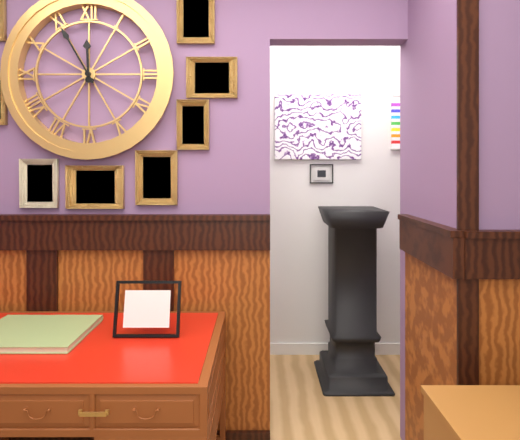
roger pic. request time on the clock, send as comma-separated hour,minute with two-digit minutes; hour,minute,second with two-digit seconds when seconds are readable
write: 11,55
